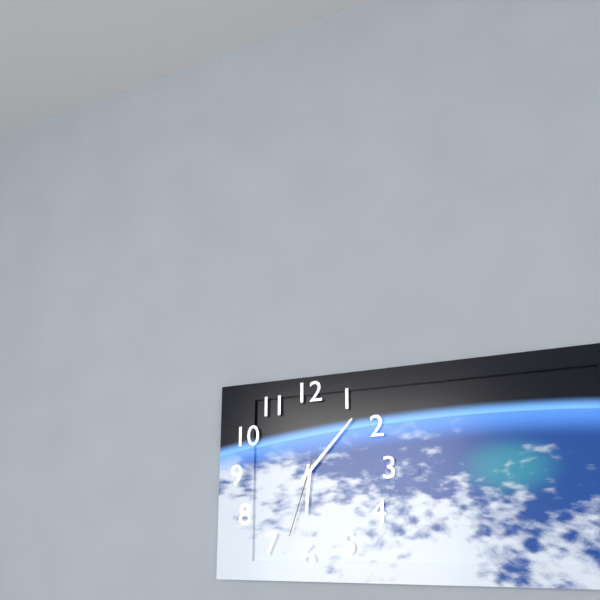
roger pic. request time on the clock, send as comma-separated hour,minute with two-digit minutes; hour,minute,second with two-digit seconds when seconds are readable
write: 6,07,33
